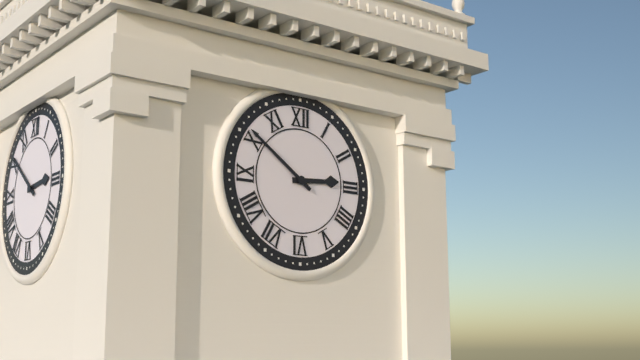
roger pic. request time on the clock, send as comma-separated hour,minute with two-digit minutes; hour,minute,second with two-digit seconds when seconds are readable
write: 2,51
